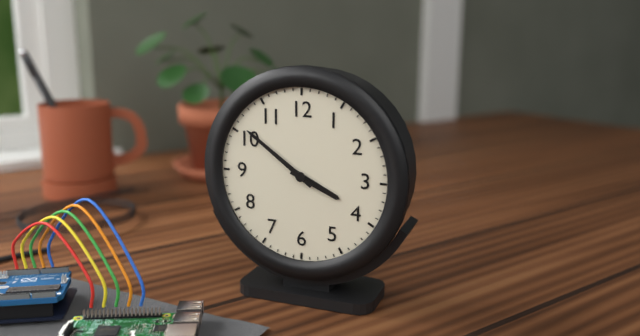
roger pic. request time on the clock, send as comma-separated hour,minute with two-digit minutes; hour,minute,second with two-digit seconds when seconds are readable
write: 3,51
